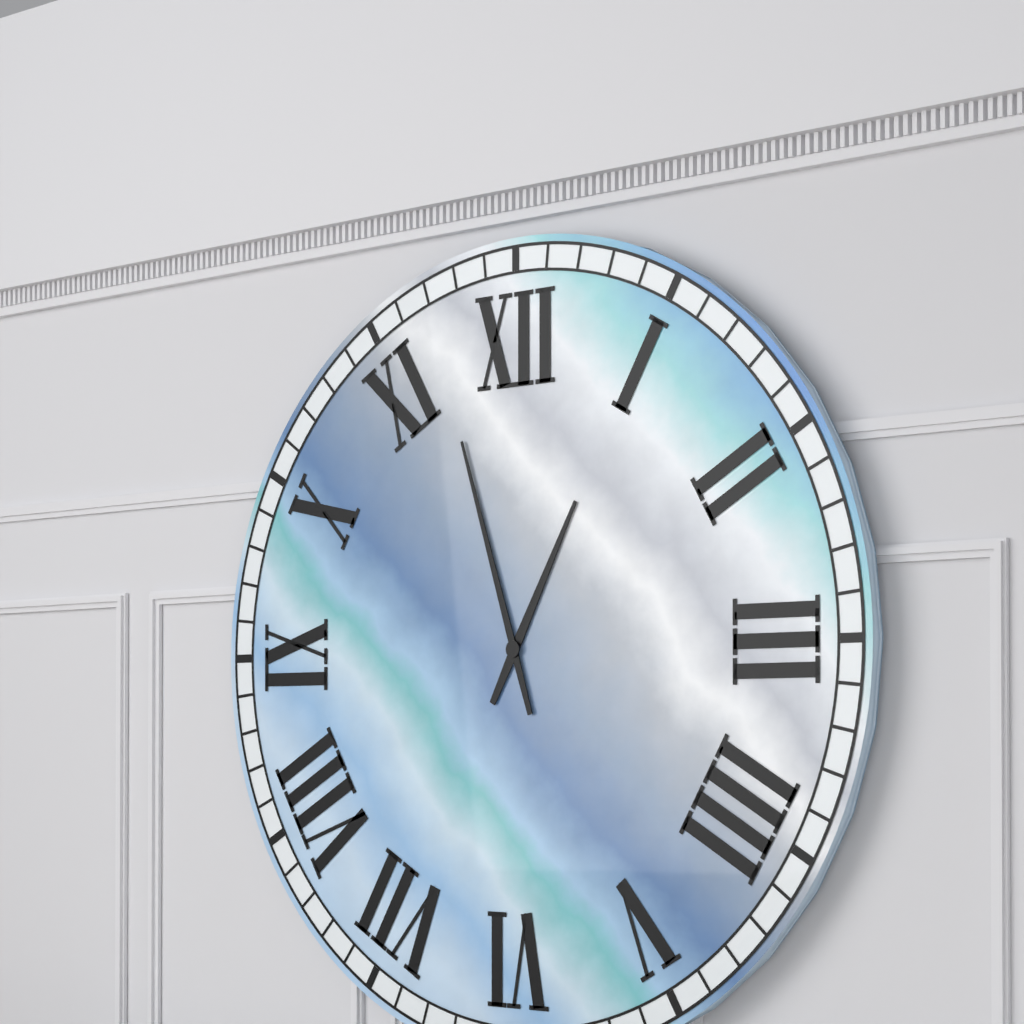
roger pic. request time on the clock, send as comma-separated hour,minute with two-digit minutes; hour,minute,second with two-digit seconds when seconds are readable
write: 12,57
